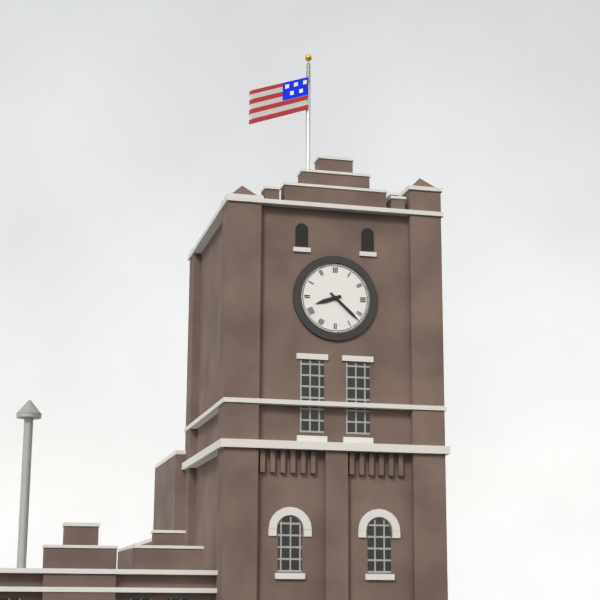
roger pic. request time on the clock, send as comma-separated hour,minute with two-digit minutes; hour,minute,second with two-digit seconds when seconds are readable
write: 8,22
